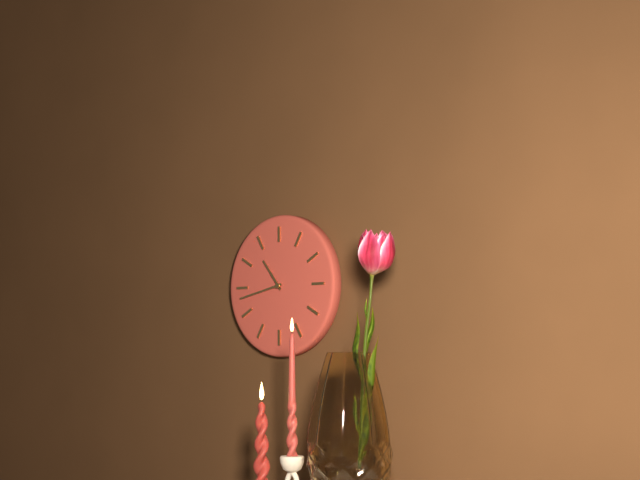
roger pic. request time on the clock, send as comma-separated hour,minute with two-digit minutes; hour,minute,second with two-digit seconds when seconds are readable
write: 10,43
